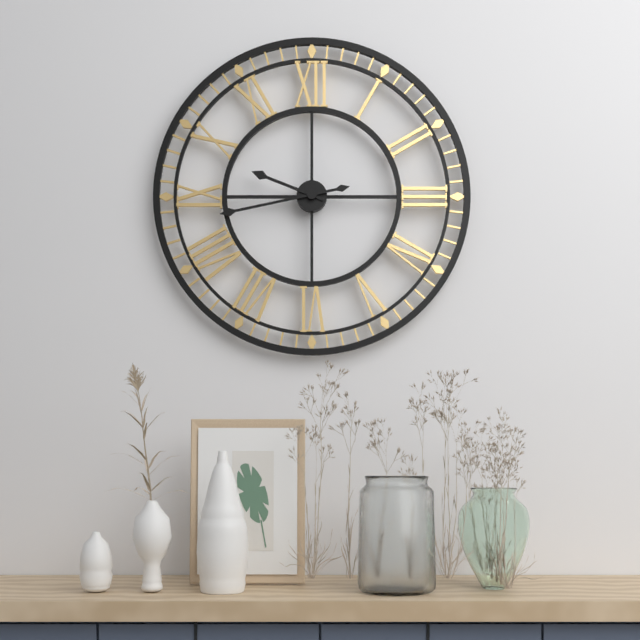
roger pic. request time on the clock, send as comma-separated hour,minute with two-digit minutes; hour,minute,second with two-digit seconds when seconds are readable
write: 9,43
